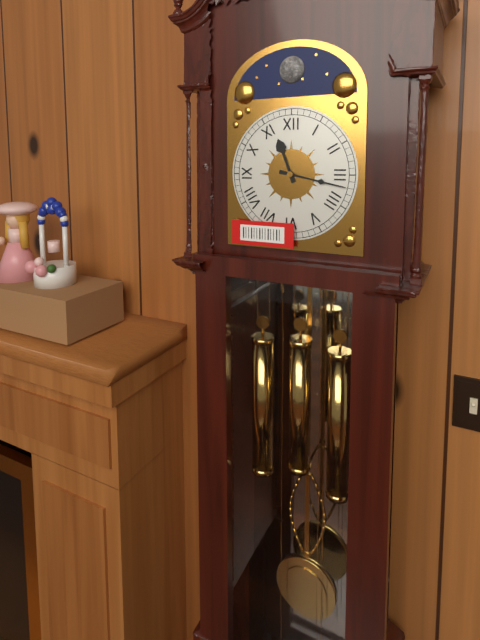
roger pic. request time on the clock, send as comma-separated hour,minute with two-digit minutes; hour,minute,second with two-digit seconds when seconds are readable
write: 11,17
